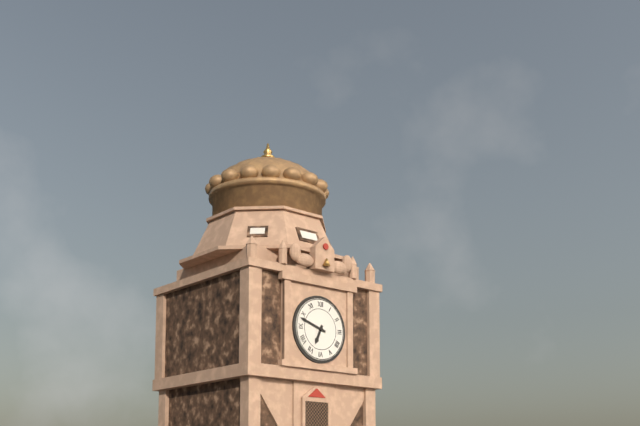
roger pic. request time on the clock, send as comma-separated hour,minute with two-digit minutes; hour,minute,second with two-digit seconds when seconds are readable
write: 6,48
